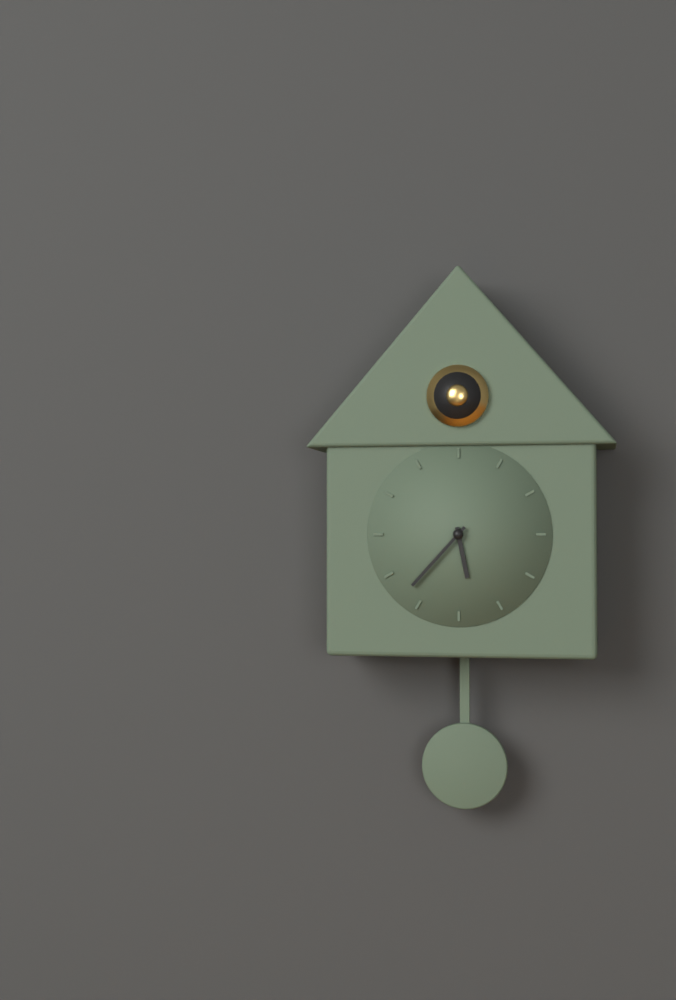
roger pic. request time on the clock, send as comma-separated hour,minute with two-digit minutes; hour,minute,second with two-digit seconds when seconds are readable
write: 5,37
